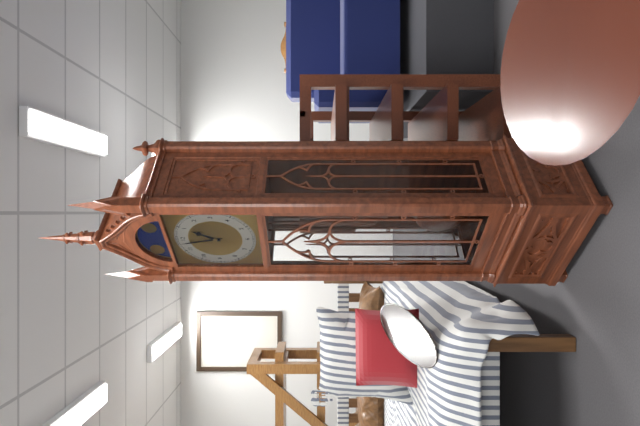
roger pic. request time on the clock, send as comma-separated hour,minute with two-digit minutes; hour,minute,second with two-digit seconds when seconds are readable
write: 12,58
